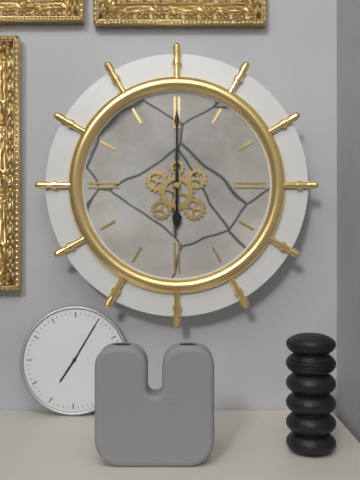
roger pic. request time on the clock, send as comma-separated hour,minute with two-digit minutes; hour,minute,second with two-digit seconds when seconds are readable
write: 6,00
